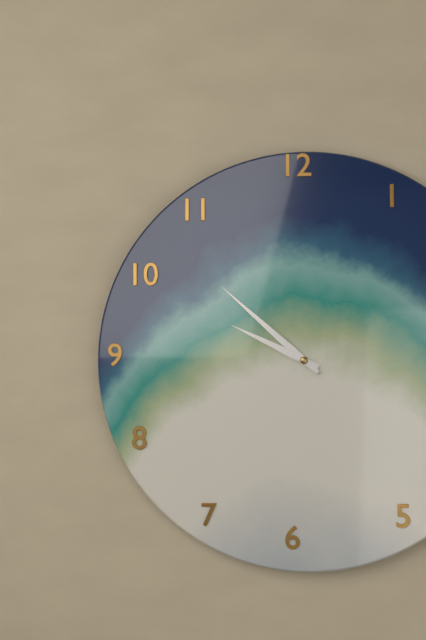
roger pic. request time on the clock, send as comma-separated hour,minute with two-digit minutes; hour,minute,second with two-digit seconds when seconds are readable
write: 9,52
